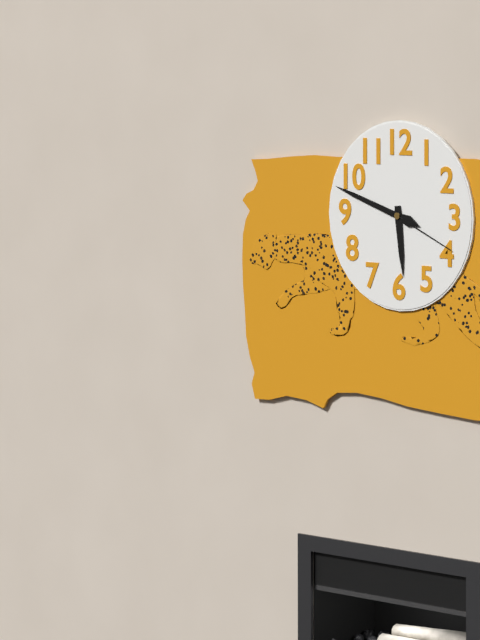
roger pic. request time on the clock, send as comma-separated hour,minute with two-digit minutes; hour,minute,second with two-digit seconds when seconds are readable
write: 5,48,19
